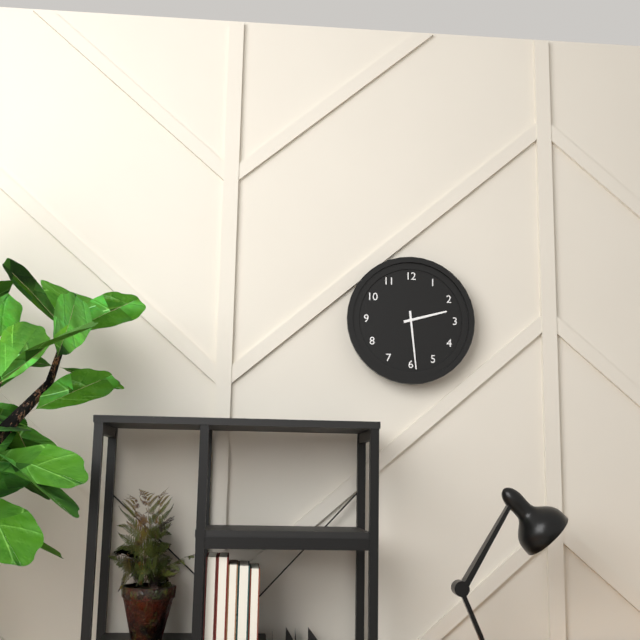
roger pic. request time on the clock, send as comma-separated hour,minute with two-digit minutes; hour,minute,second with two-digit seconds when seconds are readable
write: 2,29
